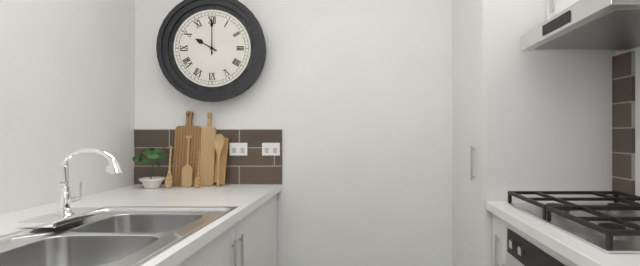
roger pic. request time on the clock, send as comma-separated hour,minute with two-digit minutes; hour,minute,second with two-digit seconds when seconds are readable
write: 10,00
